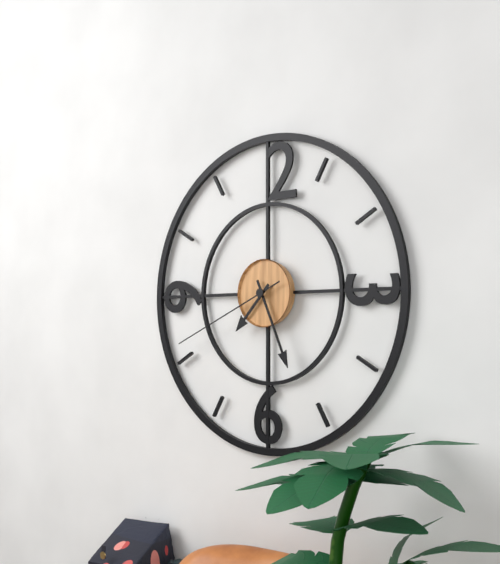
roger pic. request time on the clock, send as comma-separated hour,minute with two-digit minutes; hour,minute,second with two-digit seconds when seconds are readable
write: 7,26,41
